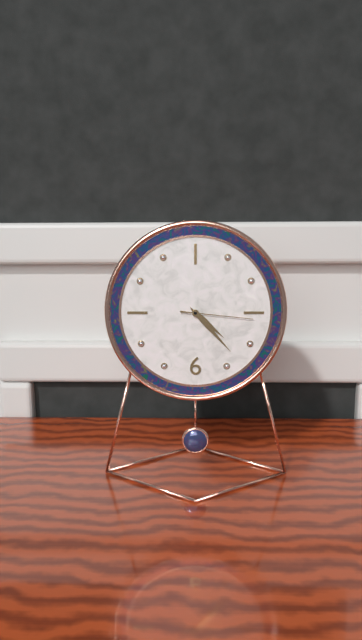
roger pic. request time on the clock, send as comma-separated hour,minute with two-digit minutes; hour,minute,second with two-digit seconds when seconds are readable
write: 4,23,16
